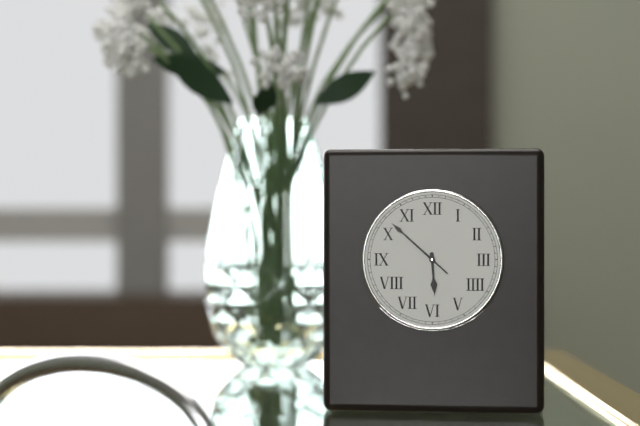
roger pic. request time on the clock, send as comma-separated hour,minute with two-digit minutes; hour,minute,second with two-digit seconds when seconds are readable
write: 5,52
